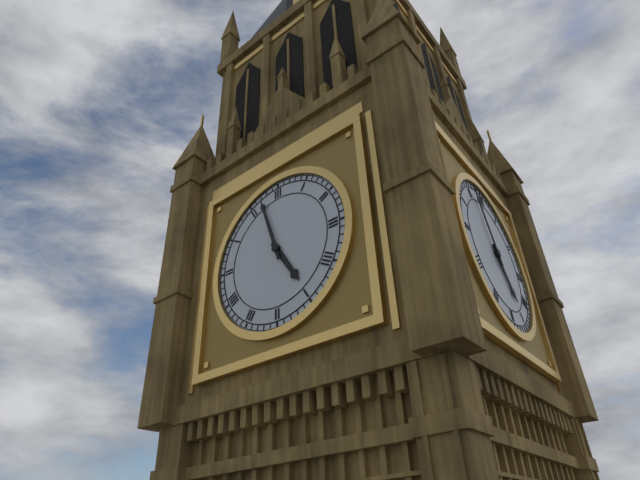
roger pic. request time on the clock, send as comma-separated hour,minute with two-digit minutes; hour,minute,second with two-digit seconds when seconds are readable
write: 4,57
